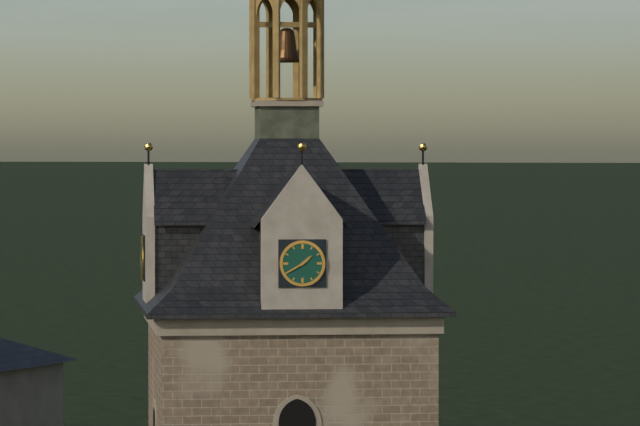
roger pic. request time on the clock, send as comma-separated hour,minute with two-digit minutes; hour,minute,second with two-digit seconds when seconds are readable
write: 1,40
